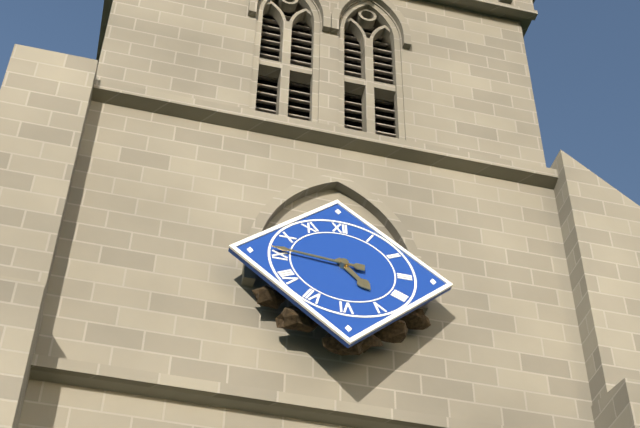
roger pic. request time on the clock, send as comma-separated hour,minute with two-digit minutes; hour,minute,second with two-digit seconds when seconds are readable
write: 4,46
